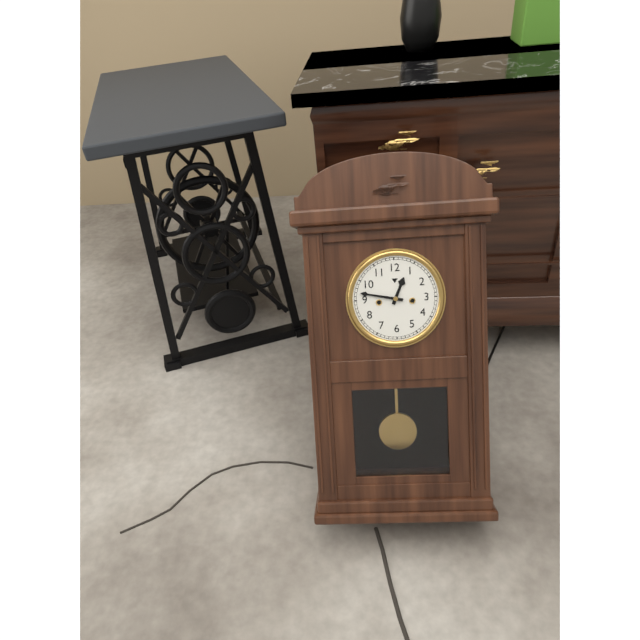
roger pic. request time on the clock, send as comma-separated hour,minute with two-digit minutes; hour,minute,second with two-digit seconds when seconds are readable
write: 12,47
